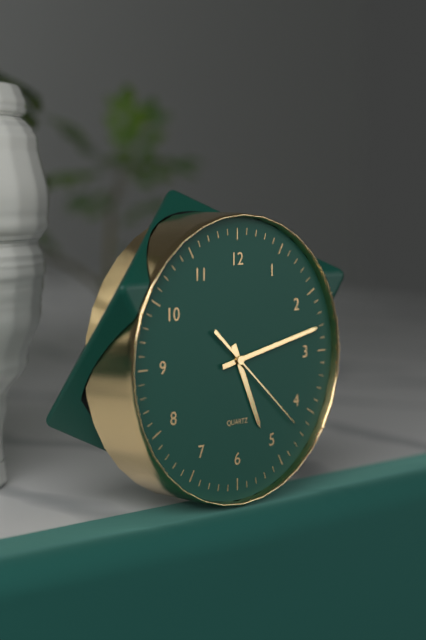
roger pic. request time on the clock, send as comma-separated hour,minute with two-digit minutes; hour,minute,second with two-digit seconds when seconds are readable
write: 5,13,22
